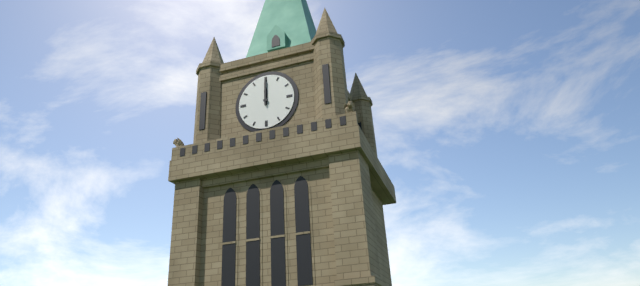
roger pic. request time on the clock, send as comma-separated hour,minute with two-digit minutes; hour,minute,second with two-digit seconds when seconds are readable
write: 12,00
